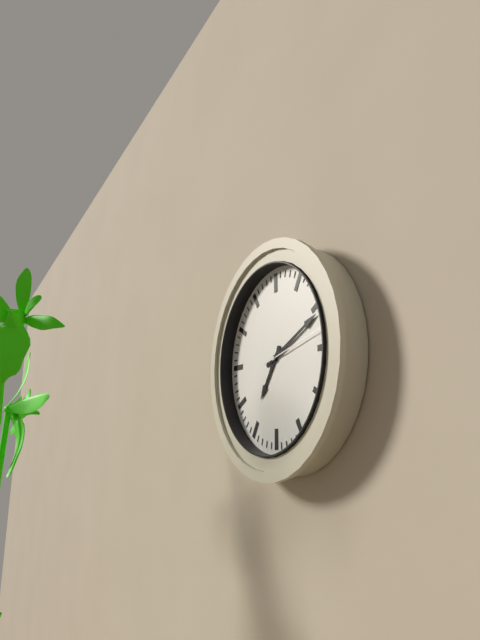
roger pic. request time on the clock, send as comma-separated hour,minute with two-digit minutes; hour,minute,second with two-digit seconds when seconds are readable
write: 7,11,13
